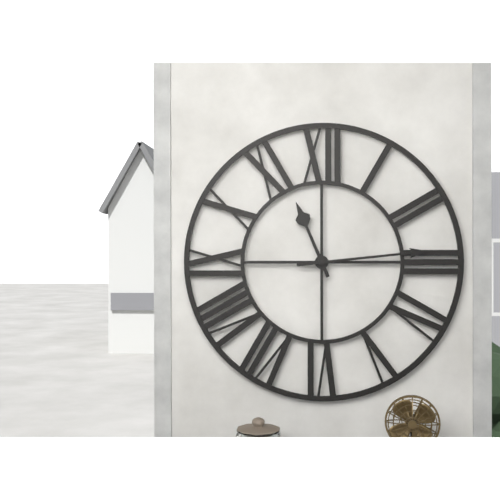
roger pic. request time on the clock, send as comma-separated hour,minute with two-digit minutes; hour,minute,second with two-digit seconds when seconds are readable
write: 11,14
